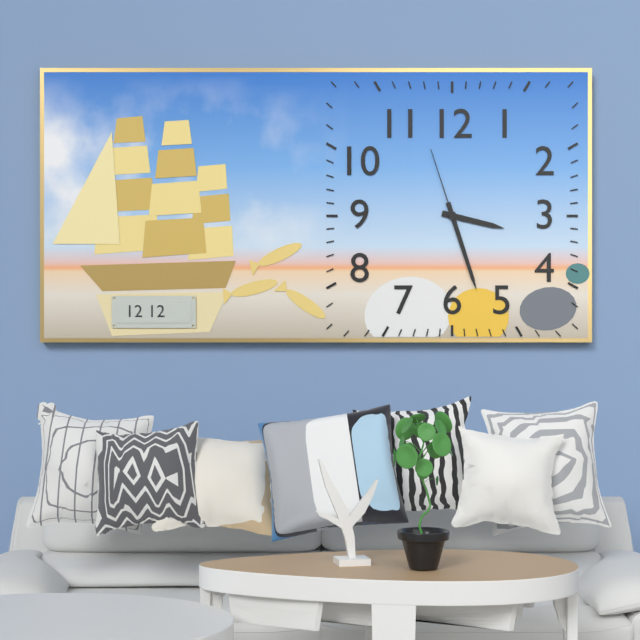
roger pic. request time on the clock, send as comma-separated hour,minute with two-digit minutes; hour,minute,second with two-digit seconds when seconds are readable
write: 3,27,57
